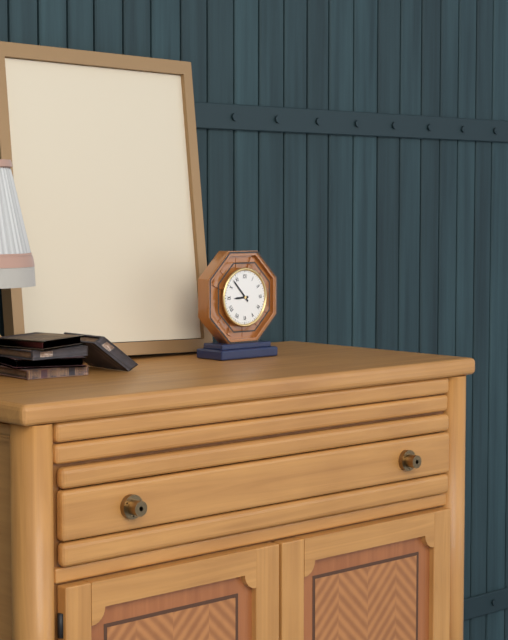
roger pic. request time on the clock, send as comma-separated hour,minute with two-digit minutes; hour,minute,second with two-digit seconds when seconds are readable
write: 8,53
